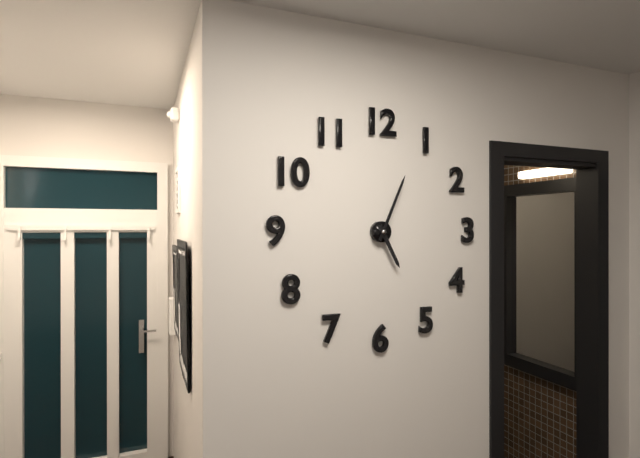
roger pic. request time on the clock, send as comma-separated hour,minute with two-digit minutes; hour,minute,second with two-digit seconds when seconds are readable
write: 5,04
